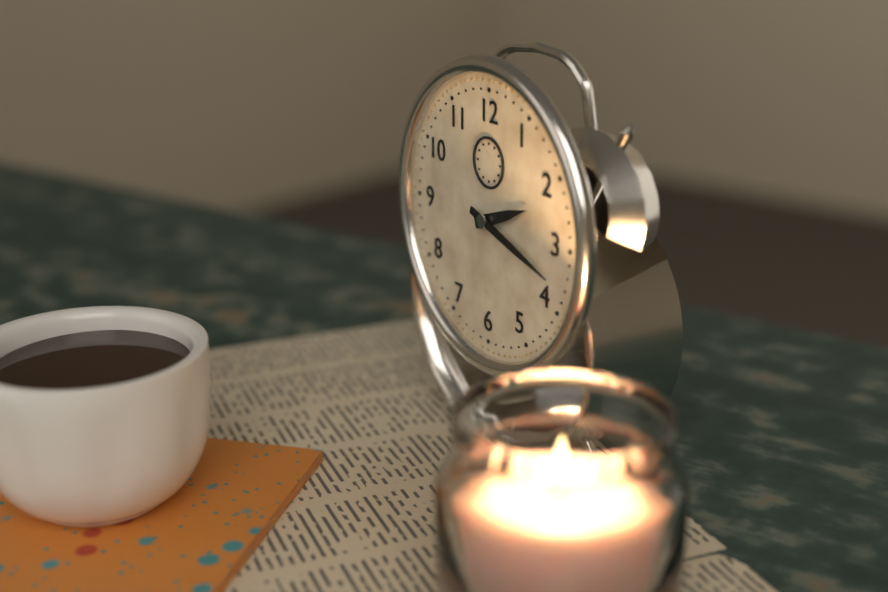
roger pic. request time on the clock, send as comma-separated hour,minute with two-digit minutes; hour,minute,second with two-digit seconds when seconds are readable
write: 2,18
